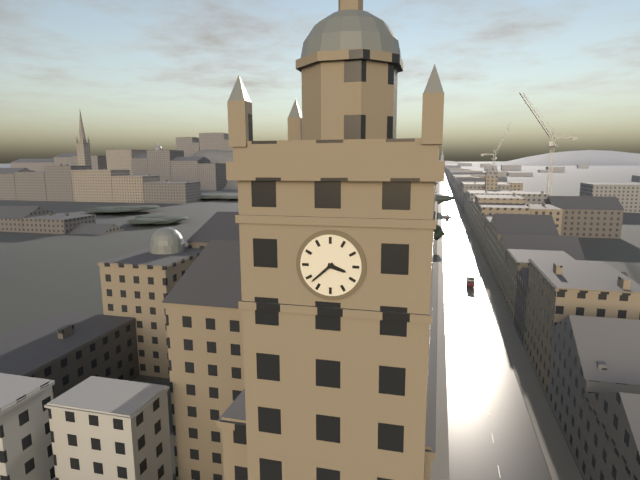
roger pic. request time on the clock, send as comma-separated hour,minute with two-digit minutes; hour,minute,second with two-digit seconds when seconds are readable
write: 3,38
